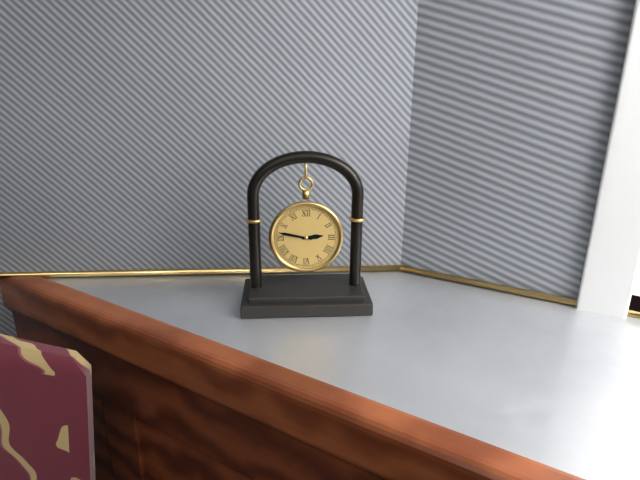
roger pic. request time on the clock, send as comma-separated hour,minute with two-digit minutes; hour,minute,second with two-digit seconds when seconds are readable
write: 2,47
